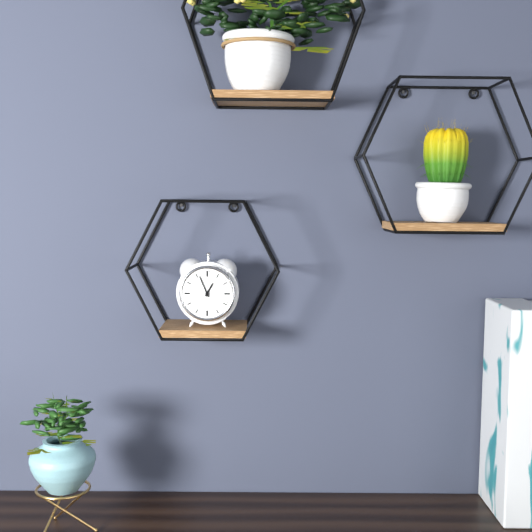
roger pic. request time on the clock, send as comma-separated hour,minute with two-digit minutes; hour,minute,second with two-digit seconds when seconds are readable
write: 12,56
